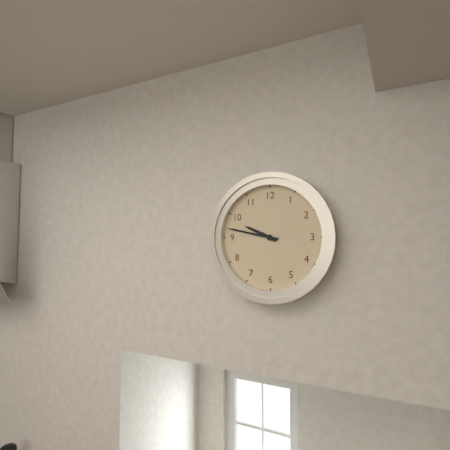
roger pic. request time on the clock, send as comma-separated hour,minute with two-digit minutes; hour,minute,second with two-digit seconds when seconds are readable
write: 9,47
